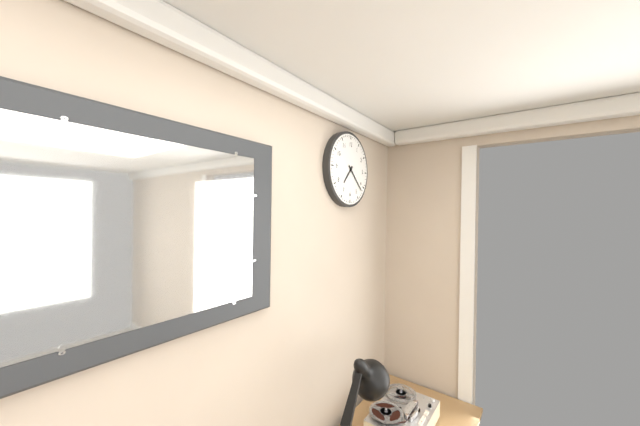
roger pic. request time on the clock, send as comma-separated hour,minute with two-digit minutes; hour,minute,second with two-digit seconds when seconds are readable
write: 7,22
